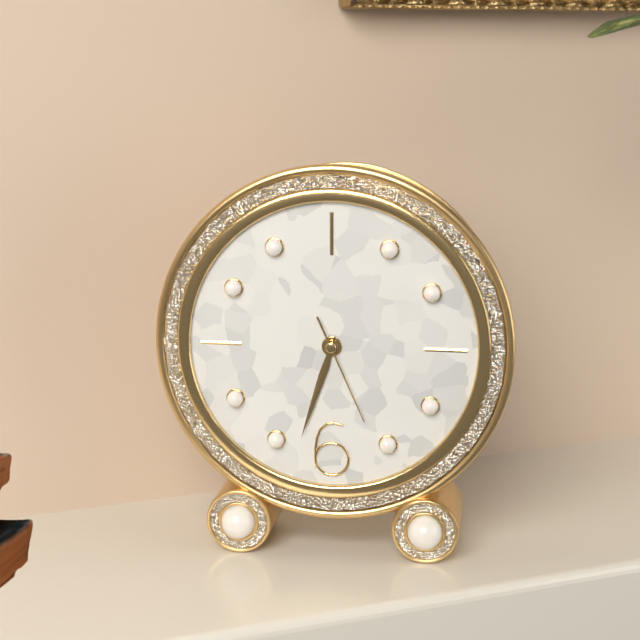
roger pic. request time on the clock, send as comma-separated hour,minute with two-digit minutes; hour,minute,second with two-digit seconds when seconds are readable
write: 6,33,26
